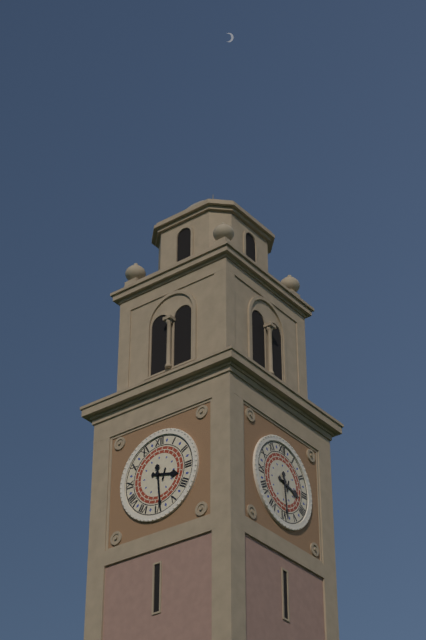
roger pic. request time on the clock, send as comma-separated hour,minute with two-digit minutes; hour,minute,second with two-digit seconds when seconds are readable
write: 3,29
